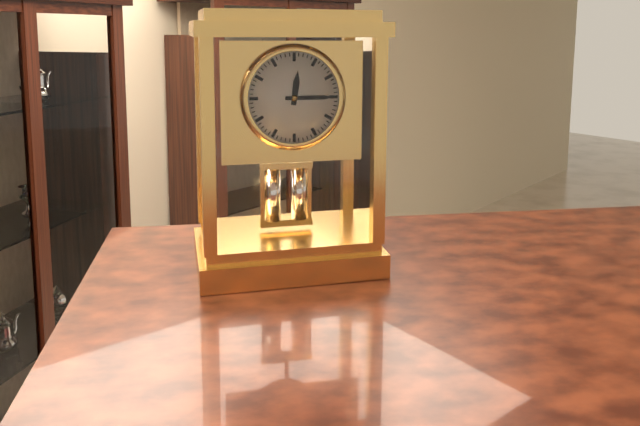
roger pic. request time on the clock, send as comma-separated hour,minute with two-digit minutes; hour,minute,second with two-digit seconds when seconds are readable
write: 12,15
